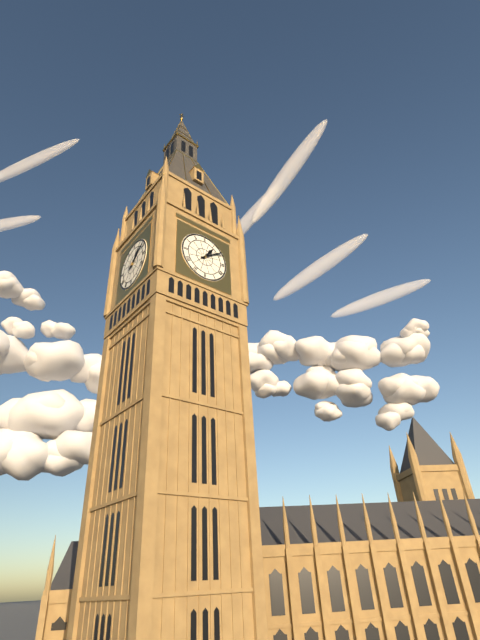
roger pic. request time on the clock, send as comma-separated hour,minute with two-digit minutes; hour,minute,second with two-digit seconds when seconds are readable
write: 1,09
